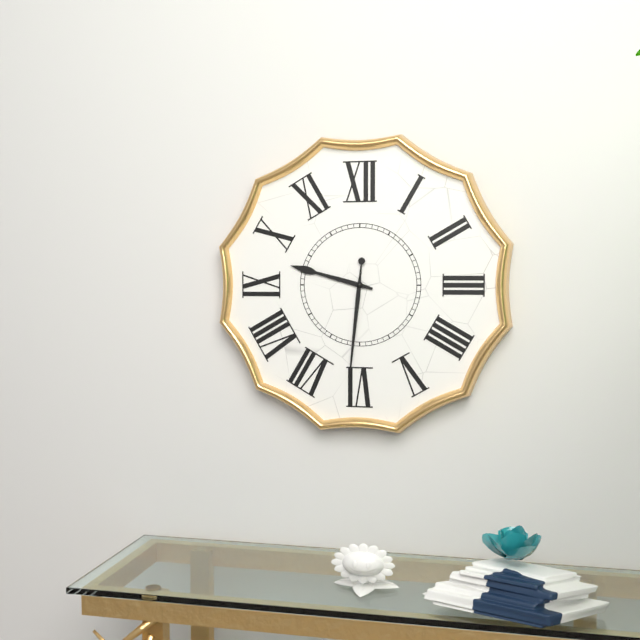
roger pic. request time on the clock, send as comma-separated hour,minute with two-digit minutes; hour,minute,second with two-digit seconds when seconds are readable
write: 9,31
